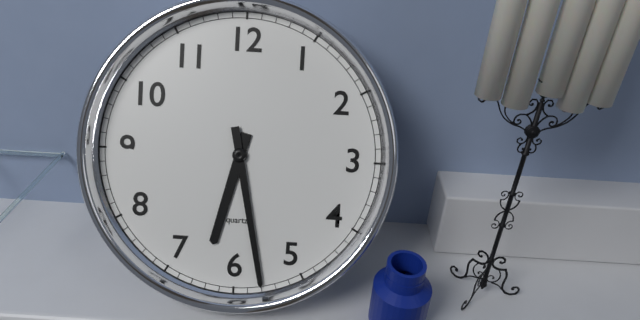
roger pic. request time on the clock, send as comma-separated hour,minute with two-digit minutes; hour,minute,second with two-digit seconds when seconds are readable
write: 6,28
